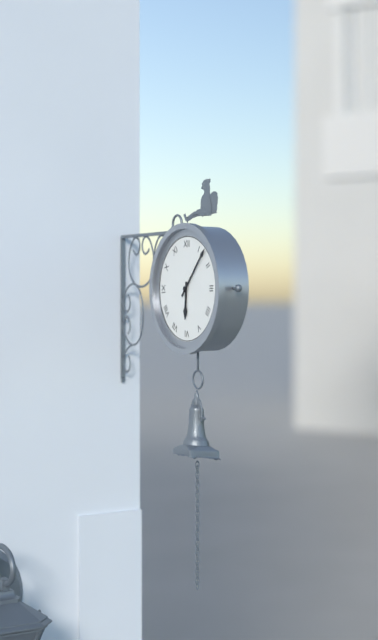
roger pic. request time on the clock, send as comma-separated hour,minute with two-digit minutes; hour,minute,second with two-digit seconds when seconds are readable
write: 6,07
